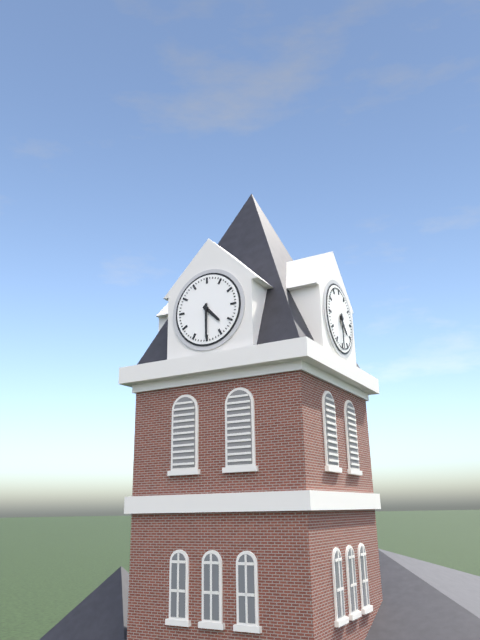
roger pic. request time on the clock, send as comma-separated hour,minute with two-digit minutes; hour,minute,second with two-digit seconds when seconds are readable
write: 4,30
